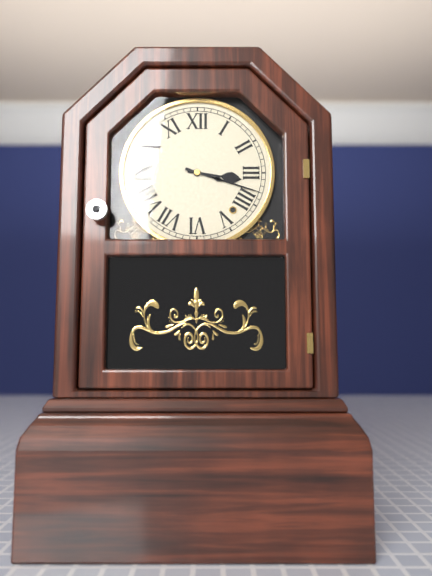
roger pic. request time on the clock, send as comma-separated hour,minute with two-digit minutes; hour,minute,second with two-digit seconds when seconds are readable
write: 3,18
